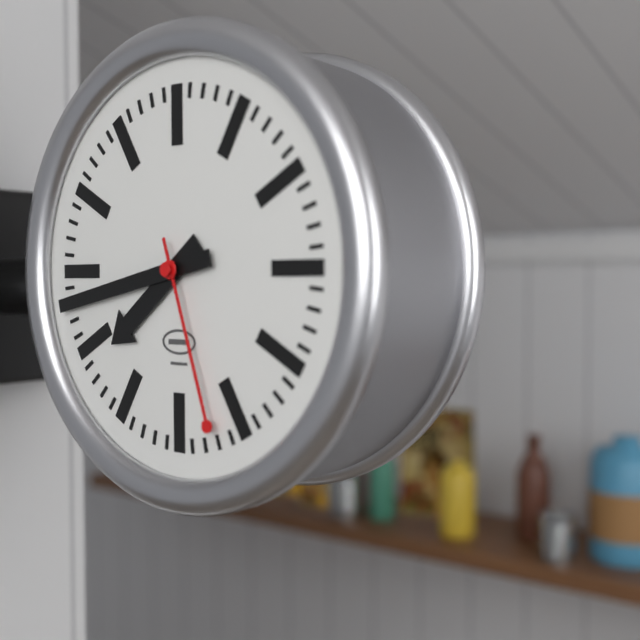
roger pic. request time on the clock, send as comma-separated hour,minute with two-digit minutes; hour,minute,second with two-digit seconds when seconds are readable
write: 7,43,27
